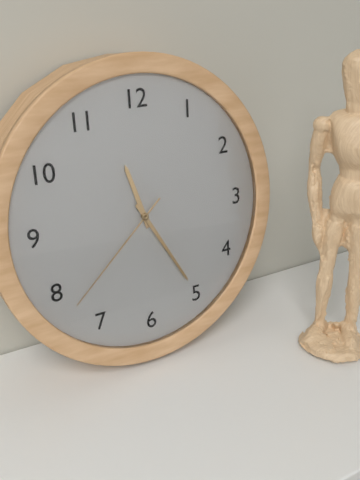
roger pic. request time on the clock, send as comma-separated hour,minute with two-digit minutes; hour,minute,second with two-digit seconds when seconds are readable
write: 11,25,38
